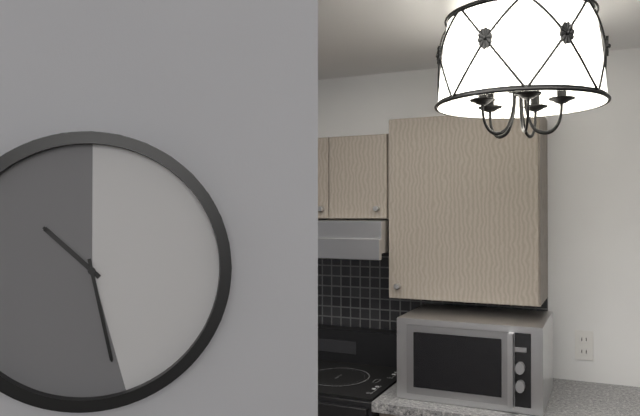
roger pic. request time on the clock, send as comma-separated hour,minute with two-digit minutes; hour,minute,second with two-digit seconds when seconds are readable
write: 10,28
